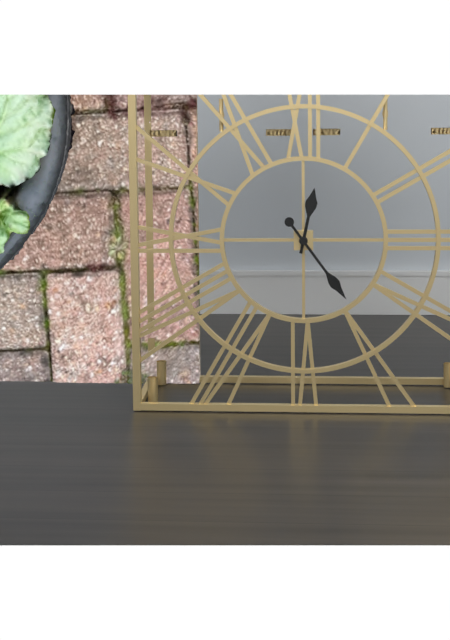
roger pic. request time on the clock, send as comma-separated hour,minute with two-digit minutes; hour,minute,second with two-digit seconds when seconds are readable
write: 12,24
